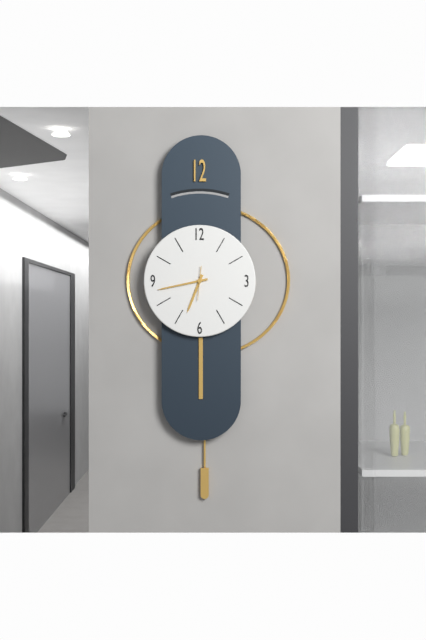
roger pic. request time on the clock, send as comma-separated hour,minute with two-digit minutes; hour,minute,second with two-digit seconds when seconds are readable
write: 6,43
